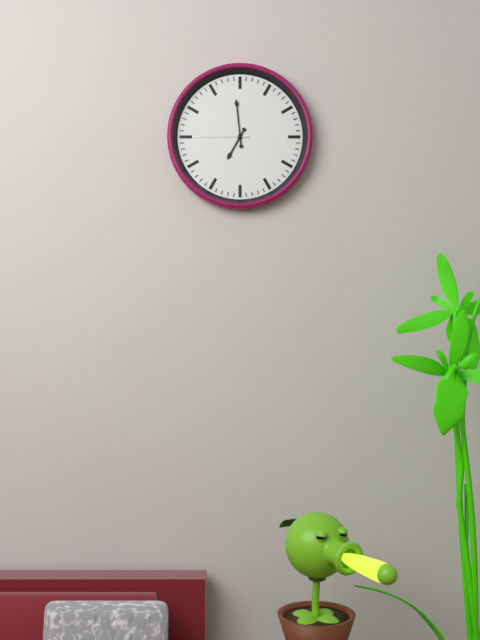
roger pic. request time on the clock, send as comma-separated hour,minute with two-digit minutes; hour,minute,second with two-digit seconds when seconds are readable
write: 6,59,45
